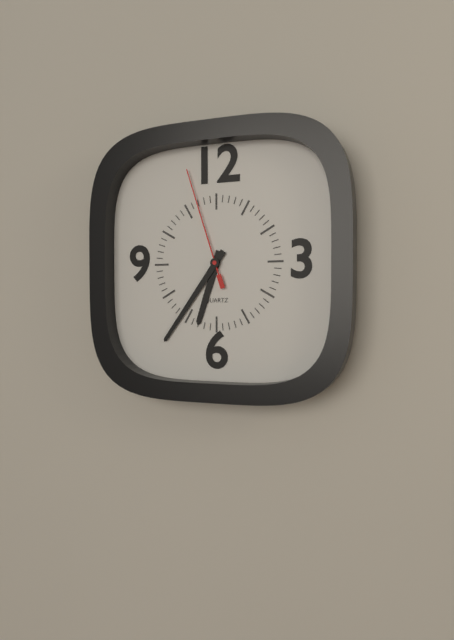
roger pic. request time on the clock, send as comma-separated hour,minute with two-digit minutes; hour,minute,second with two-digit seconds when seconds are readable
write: 6,36,57
